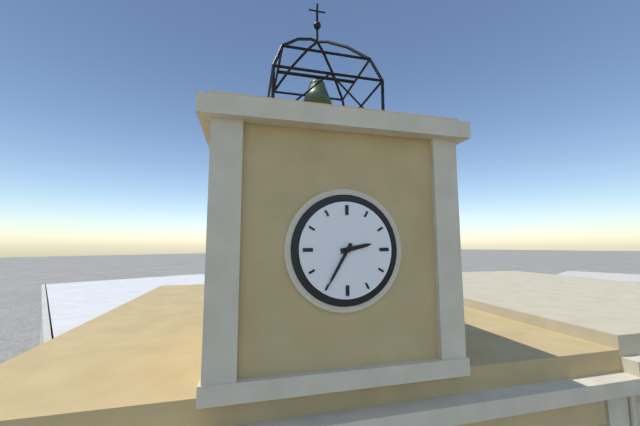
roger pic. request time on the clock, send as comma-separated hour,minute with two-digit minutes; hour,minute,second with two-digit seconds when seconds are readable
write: 2,35
